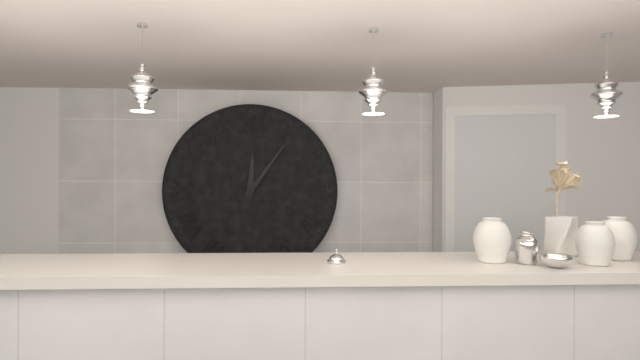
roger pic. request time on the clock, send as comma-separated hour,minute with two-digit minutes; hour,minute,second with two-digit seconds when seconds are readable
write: 12,06
